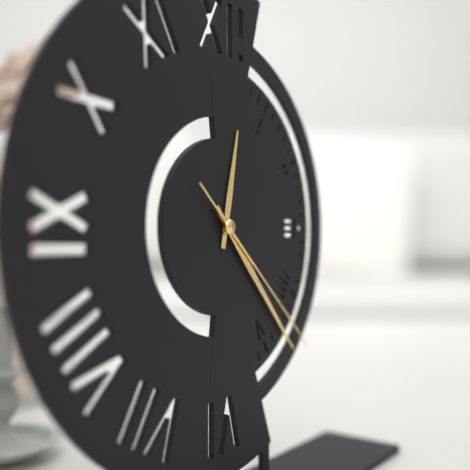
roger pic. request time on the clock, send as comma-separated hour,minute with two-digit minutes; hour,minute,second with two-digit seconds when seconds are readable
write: 12,23,22
